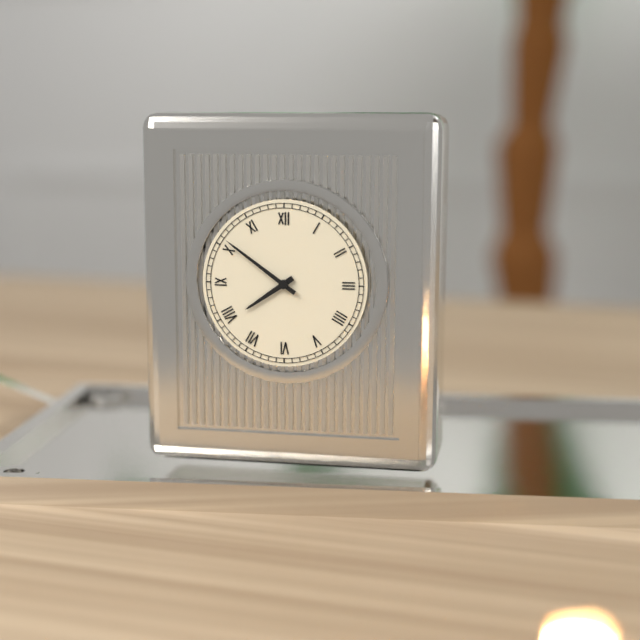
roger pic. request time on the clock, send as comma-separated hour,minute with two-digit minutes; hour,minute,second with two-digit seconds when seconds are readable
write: 7,51
